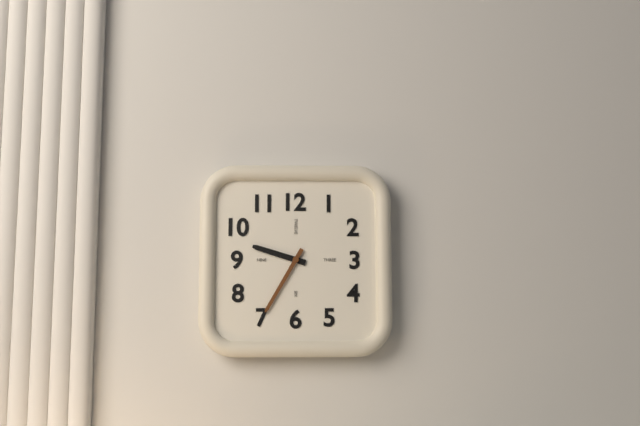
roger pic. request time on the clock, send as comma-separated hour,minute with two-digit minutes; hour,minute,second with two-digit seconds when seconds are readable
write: 9,35
